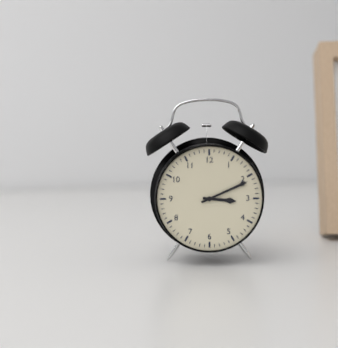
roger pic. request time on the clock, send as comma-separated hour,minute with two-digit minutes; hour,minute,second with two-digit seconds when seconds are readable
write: 3,11
